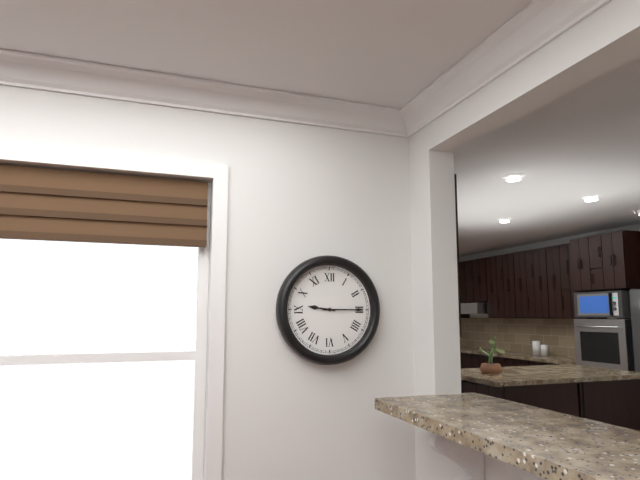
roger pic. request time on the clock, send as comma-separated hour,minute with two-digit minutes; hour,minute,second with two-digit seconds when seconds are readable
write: 9,15
